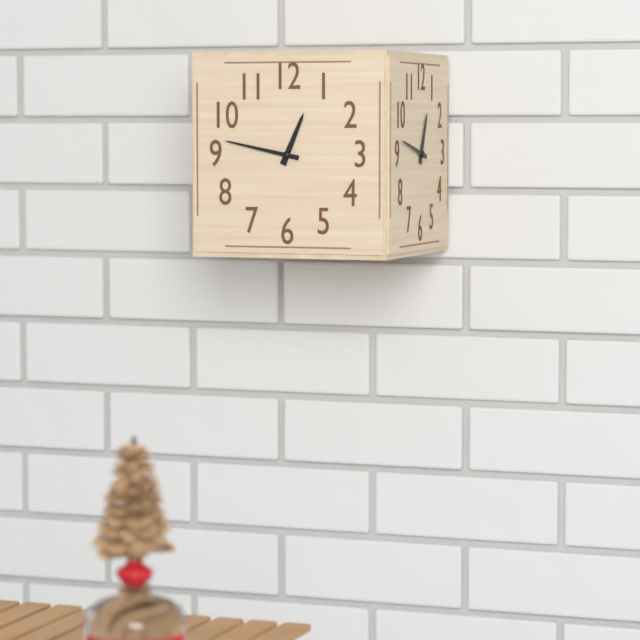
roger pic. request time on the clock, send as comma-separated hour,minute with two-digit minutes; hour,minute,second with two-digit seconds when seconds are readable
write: 12,47
